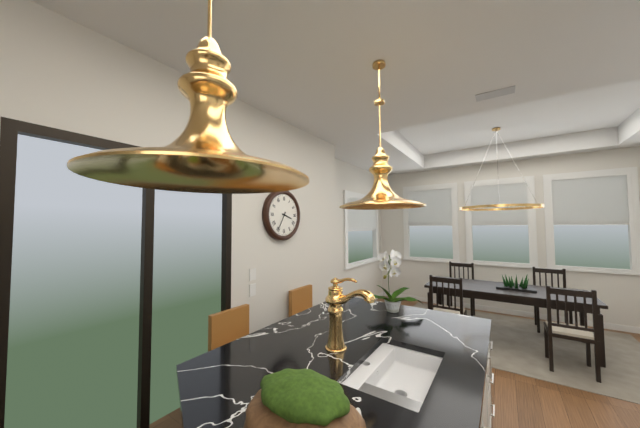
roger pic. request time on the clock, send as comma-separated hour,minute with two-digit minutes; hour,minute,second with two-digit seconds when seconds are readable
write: 3,35
